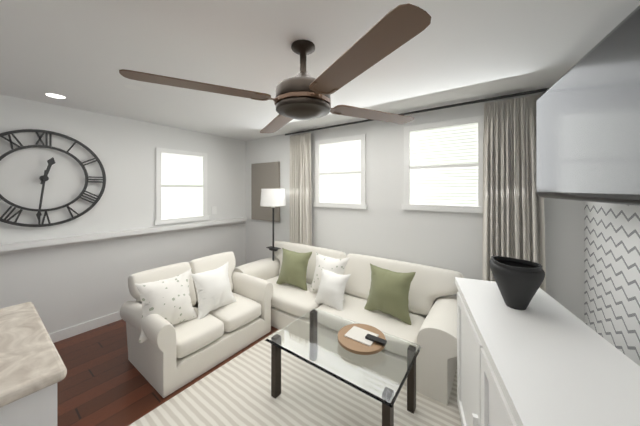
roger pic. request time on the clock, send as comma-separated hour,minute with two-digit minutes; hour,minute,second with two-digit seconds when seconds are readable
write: 12,31
